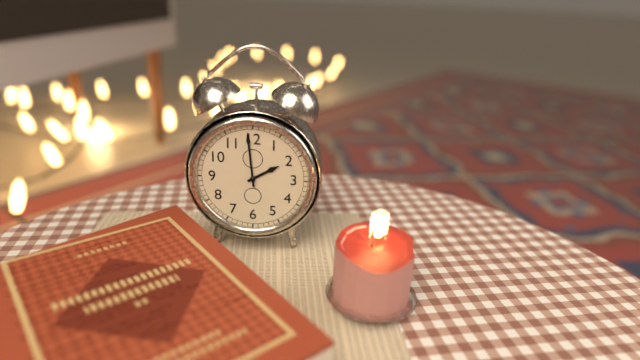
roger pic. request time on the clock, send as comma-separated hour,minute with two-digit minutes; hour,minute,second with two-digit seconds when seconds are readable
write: 1,59
